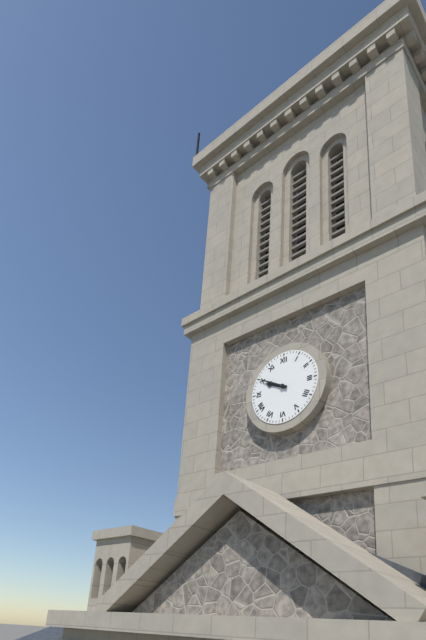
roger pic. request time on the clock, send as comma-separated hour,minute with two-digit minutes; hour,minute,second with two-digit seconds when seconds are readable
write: 9,50
